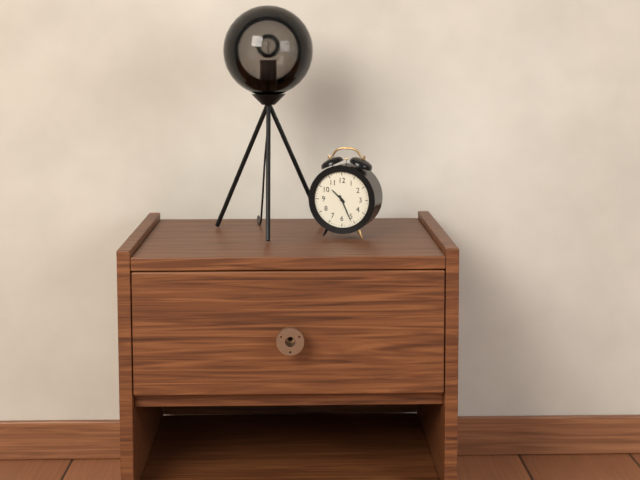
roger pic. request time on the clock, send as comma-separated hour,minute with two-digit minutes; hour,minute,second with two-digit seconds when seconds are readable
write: 10,26
